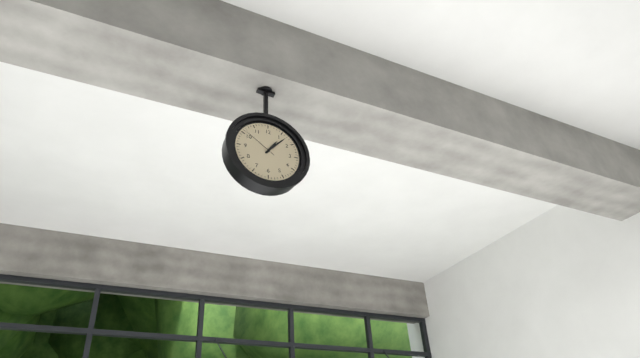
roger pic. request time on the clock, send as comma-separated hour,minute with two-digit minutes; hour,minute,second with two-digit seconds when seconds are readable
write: 1,07
